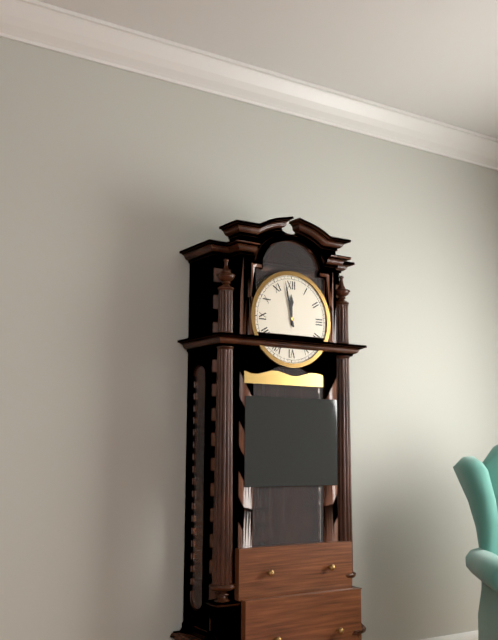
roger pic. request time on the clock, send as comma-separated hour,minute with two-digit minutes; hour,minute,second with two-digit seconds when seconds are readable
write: 11,58
